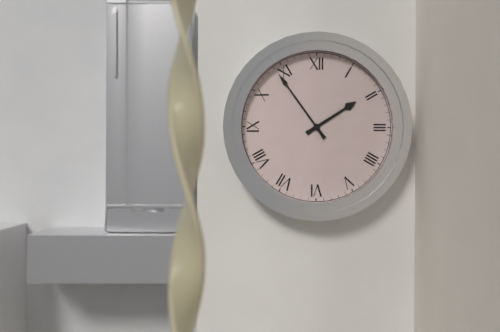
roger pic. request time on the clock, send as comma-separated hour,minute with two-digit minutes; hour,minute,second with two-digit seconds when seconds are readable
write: 1,54
